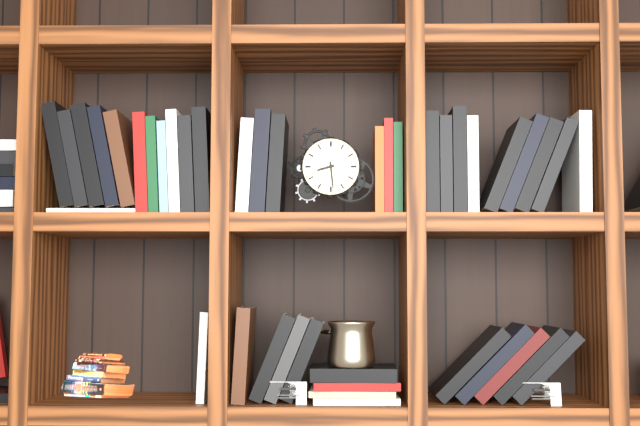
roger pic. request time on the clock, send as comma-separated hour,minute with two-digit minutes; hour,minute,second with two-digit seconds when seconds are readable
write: 8,29
